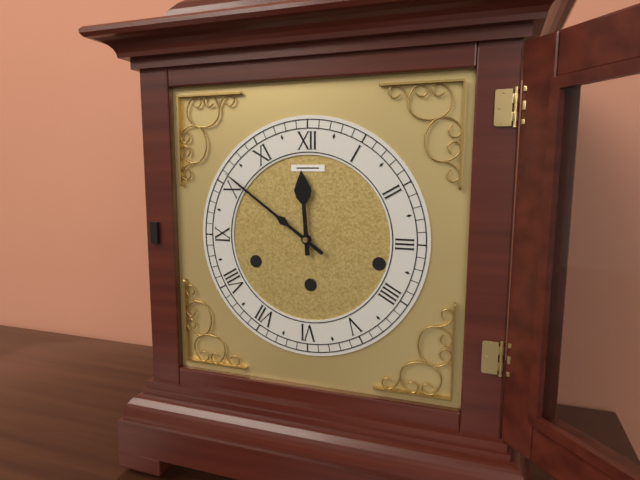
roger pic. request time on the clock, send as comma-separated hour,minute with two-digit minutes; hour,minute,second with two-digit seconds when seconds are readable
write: 11,51
